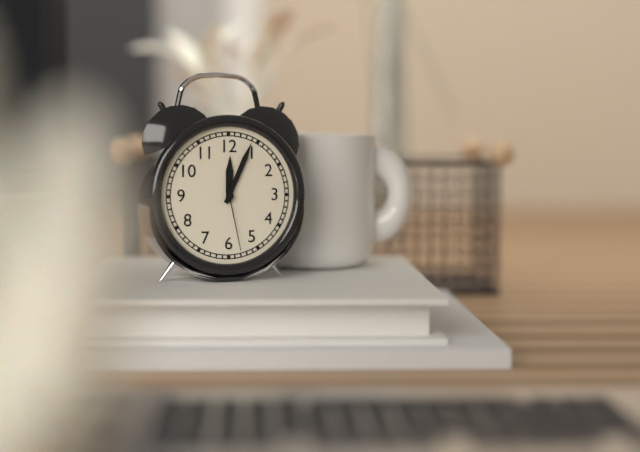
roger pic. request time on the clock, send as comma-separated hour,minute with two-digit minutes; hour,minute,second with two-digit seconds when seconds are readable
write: 12,04,28
